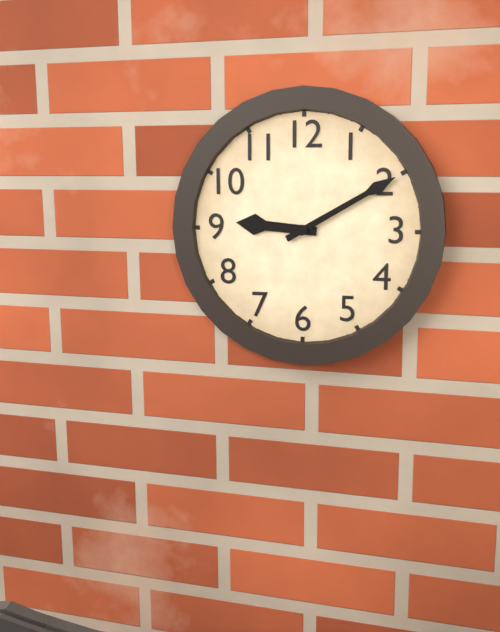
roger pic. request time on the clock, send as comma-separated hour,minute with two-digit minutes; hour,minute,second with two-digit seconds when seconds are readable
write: 9,10
